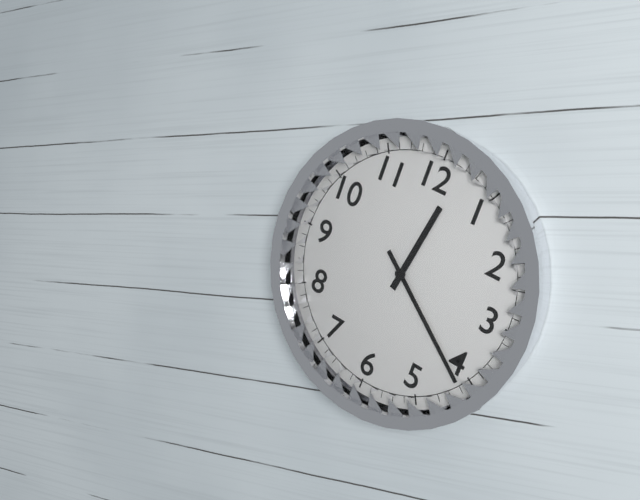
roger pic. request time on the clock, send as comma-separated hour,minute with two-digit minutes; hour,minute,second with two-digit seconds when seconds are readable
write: 12,21
